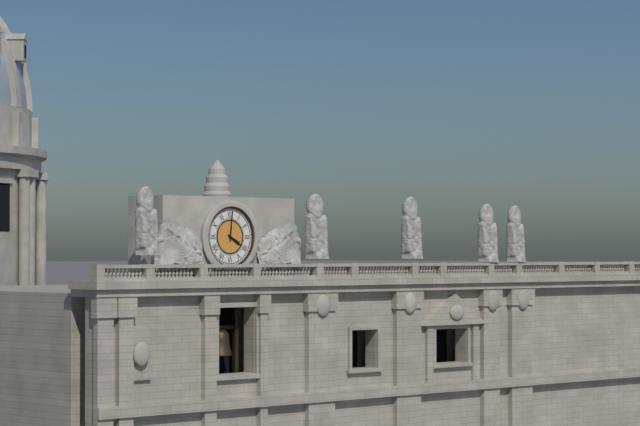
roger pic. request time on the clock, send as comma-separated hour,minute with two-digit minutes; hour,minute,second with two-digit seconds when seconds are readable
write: 4,01
